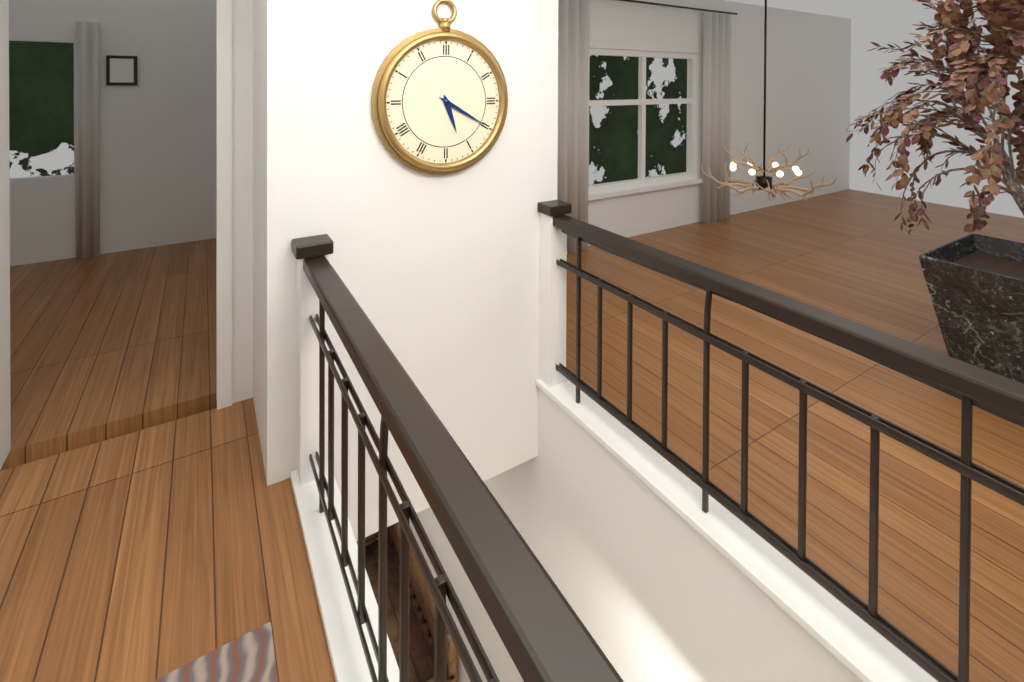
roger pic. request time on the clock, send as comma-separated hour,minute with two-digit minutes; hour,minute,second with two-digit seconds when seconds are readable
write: 5,20
